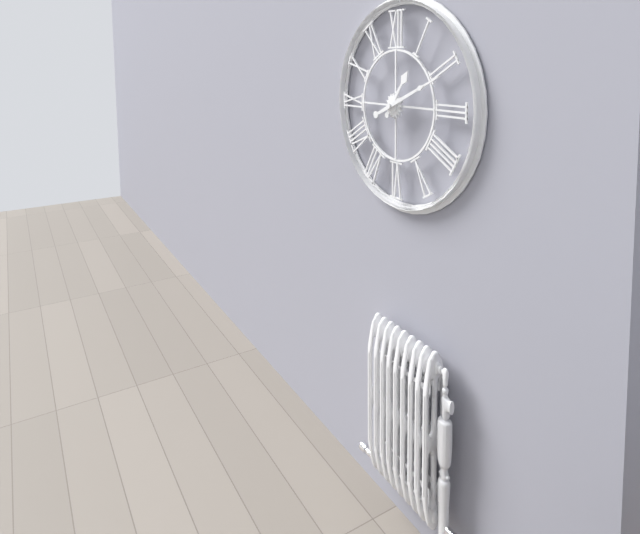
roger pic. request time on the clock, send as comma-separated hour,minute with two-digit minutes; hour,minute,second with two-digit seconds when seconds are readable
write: 1,11
